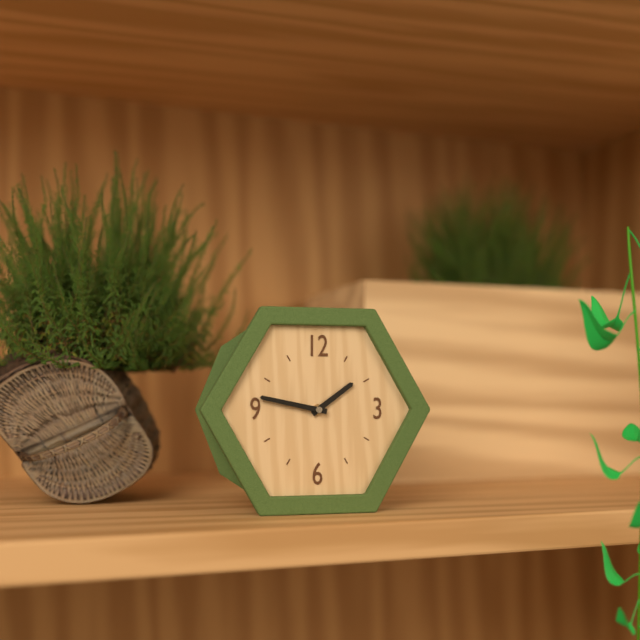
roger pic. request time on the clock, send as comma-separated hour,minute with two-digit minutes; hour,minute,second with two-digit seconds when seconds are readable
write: 1,47
